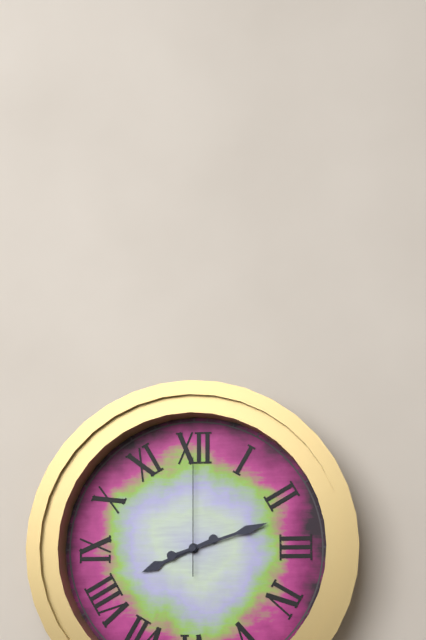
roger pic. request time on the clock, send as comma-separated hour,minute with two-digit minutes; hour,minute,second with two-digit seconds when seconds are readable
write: 8,12,00
